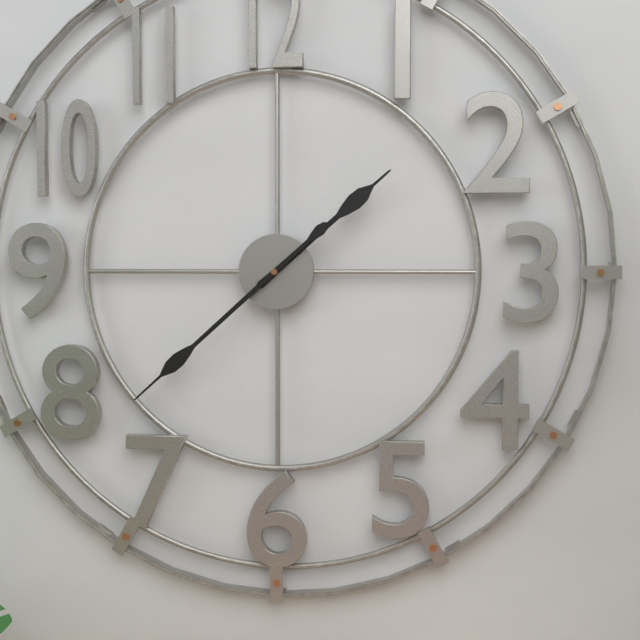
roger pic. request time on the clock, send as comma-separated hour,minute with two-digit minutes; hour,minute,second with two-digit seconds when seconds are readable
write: 1,38
